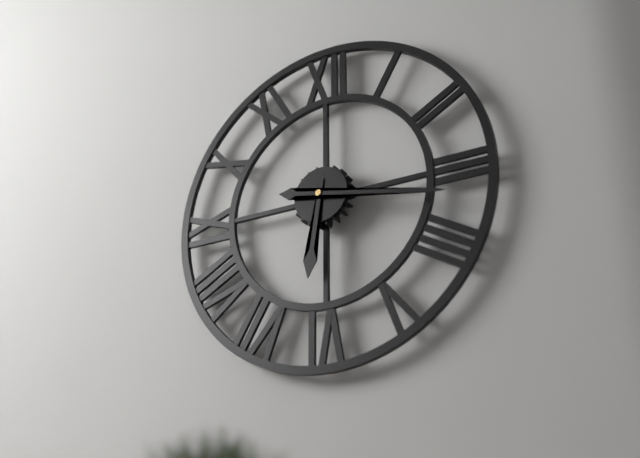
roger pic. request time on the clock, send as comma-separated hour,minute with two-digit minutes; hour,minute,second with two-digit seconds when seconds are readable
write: 6,17
